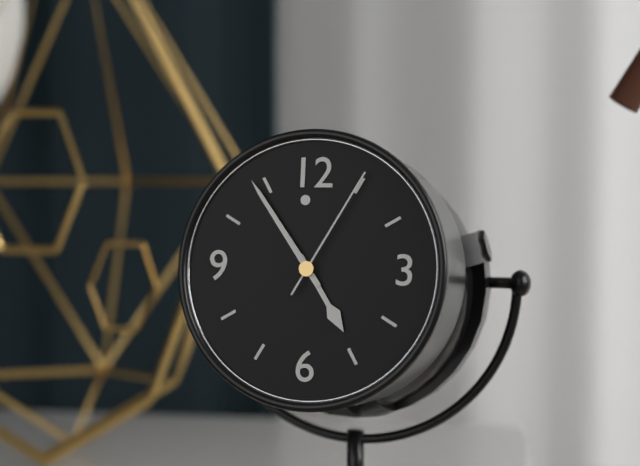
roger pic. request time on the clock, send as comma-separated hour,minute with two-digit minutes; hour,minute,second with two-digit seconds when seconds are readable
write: 4,54,05
